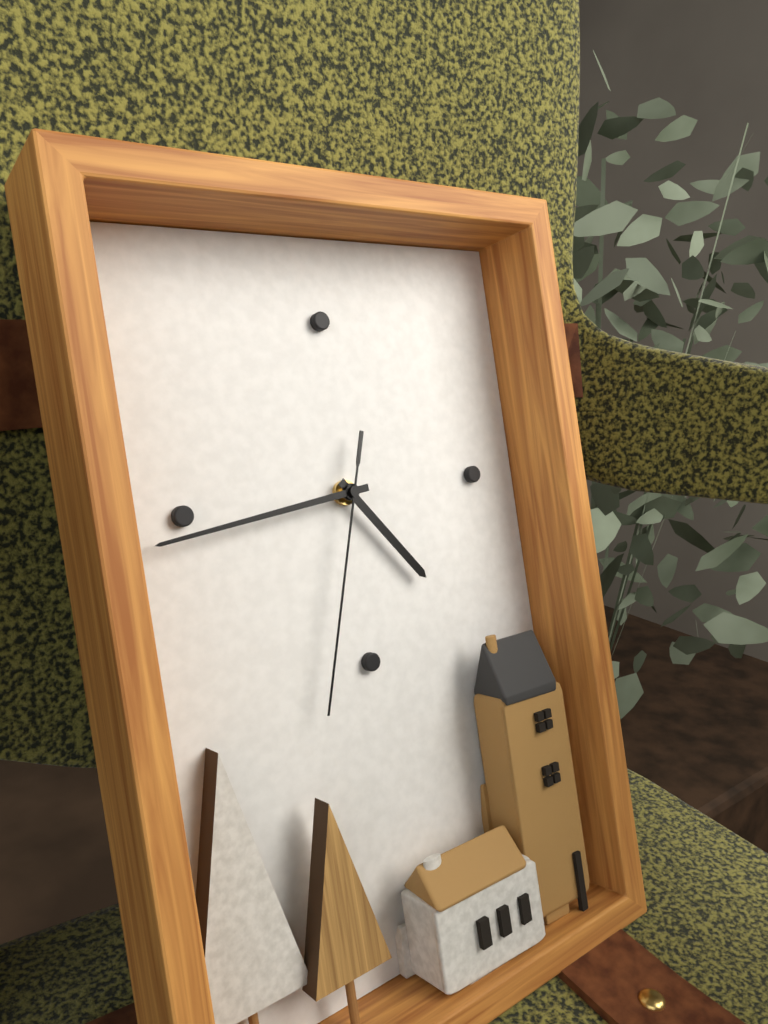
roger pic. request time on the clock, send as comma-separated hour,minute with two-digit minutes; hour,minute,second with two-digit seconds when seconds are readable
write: 4,44,33
